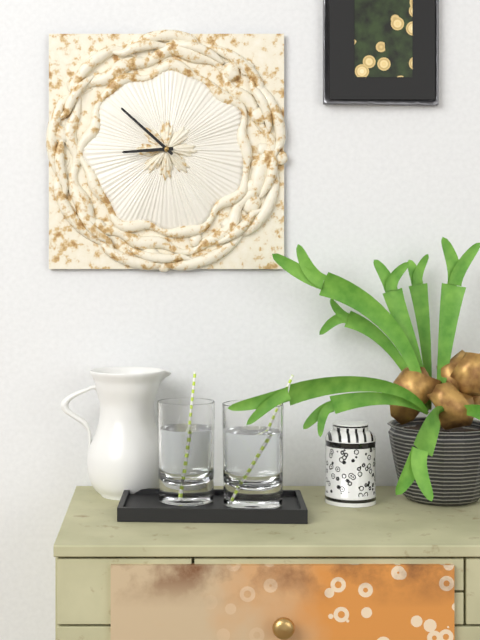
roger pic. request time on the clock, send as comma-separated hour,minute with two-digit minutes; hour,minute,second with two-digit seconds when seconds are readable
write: 8,52
